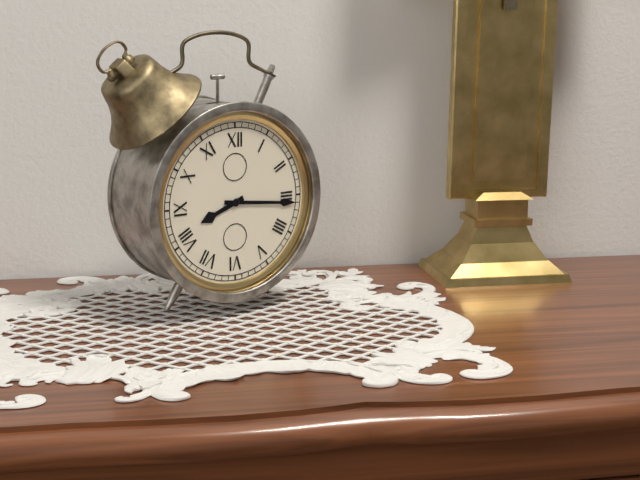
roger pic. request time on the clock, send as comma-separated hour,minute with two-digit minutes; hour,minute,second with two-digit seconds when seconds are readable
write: 8,16
